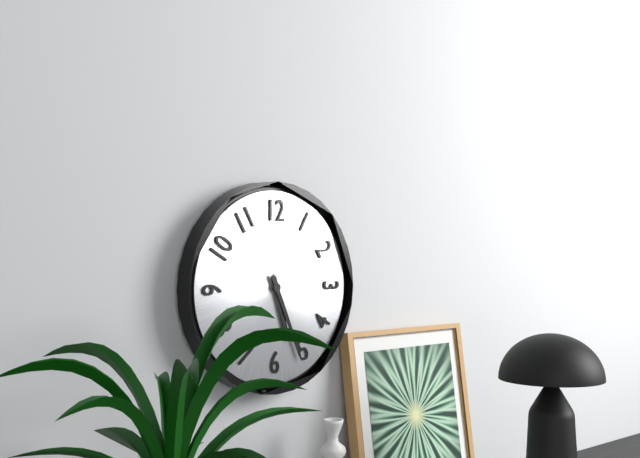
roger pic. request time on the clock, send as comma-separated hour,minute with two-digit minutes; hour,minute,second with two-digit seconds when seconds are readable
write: 5,26
